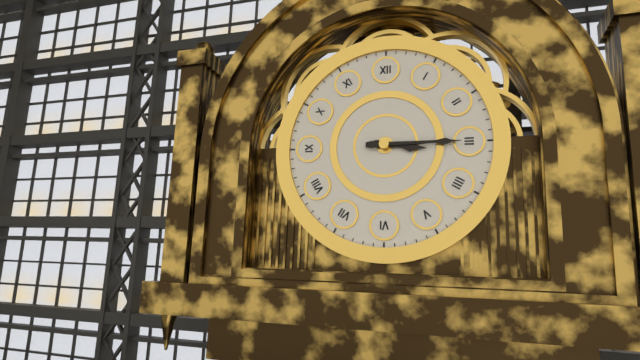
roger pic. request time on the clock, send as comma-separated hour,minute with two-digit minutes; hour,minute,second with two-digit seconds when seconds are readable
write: 3,15
